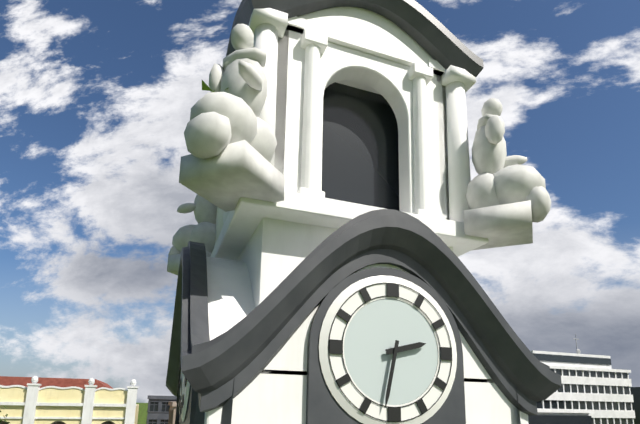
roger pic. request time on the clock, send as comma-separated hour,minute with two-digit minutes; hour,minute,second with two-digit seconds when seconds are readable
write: 2,32
